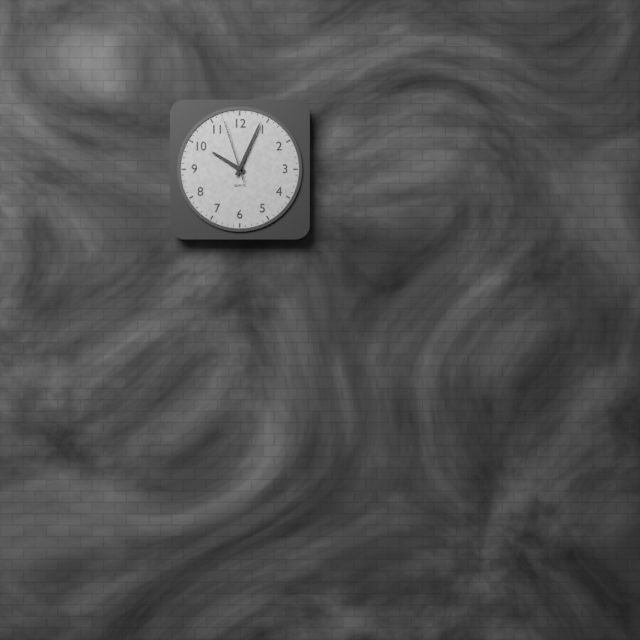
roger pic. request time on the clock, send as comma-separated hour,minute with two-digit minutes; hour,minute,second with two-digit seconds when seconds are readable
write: 10,04,57
